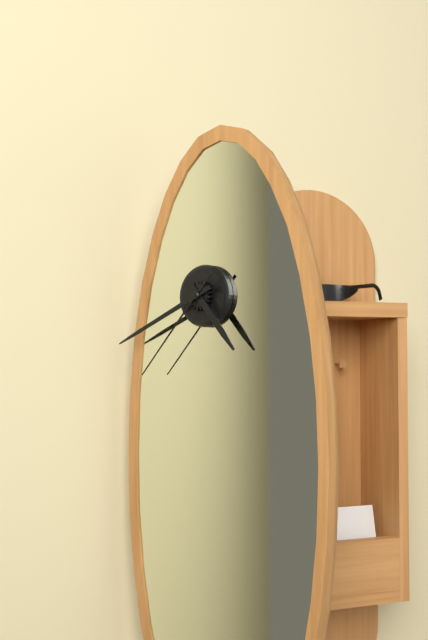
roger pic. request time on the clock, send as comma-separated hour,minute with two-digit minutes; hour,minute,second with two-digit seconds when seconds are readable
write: 4,41,37
